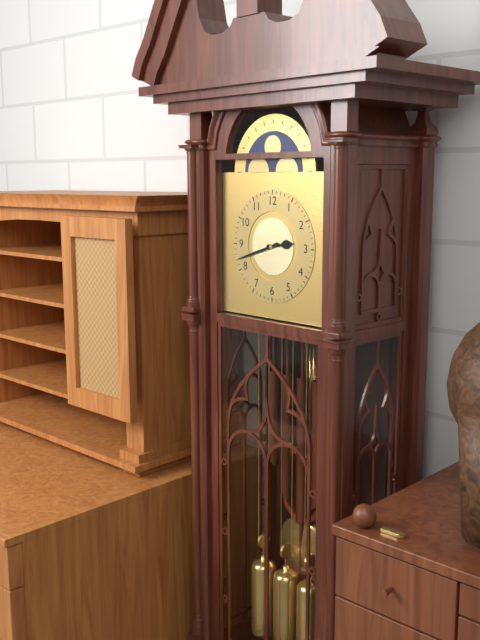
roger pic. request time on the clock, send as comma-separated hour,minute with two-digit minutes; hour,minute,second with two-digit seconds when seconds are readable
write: 2,42
